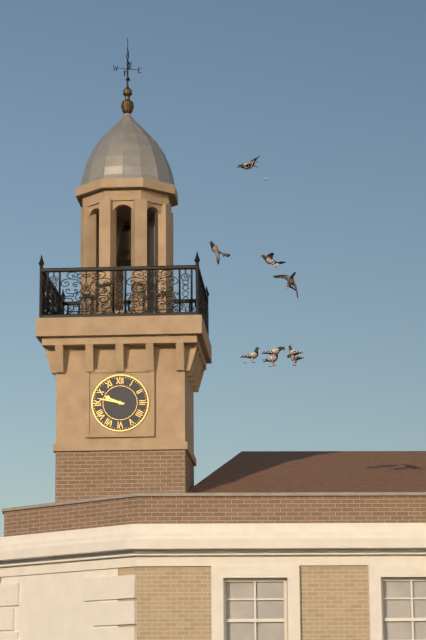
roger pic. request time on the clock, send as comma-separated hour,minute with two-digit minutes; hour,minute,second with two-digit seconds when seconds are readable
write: 9,47
